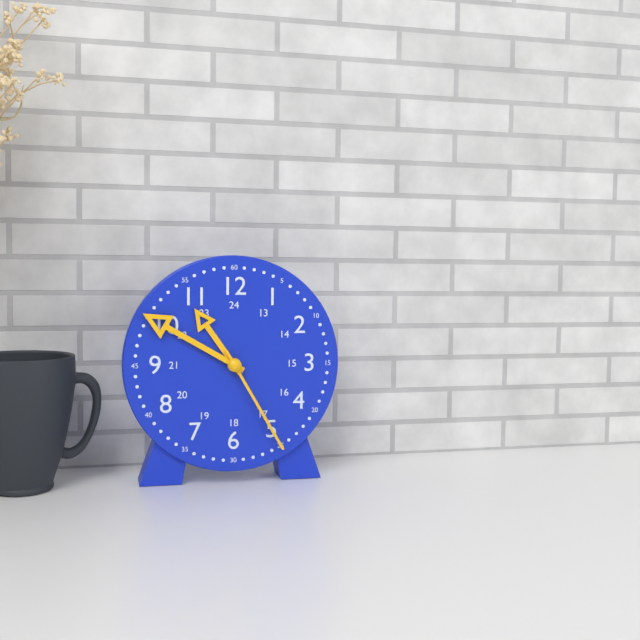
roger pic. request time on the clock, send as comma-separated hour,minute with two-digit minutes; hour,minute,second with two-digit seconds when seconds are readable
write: 10,50,25
